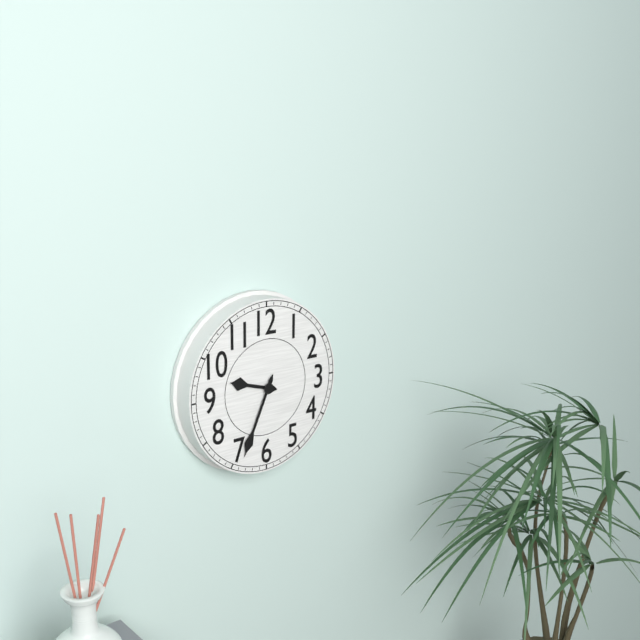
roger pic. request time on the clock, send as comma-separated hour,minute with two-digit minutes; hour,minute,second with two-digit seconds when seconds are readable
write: 9,34
